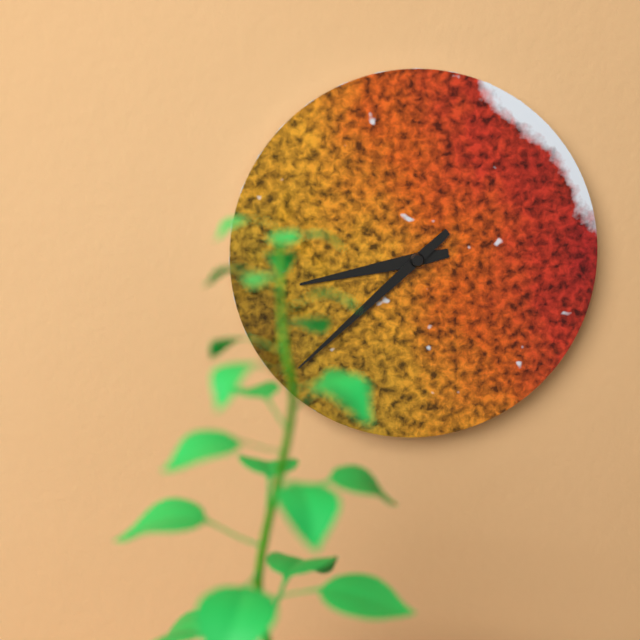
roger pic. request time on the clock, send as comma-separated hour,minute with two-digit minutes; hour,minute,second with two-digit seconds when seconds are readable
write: 8,38
